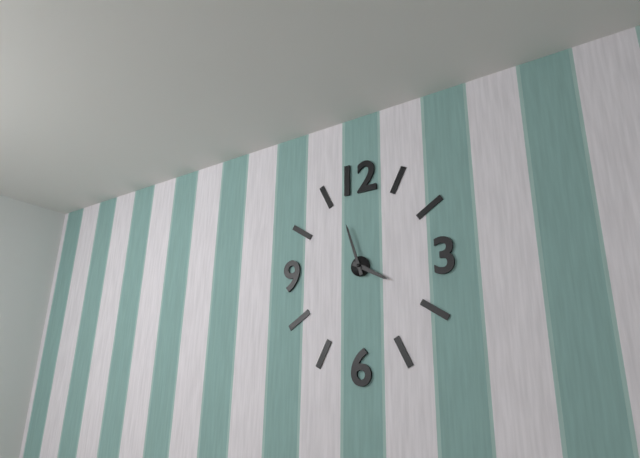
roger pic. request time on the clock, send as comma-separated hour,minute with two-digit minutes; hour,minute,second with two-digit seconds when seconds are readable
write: 3,57
